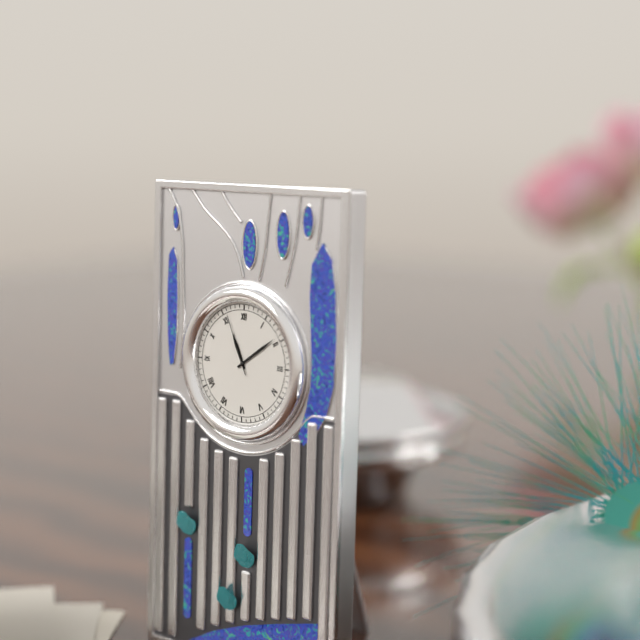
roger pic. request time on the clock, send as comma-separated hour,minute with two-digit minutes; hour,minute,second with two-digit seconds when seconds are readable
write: 11,09,56
